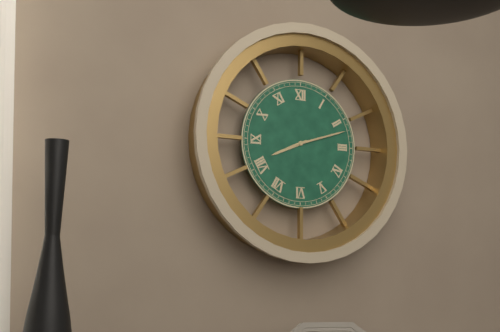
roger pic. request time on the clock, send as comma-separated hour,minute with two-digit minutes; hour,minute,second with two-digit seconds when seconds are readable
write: 8,12
